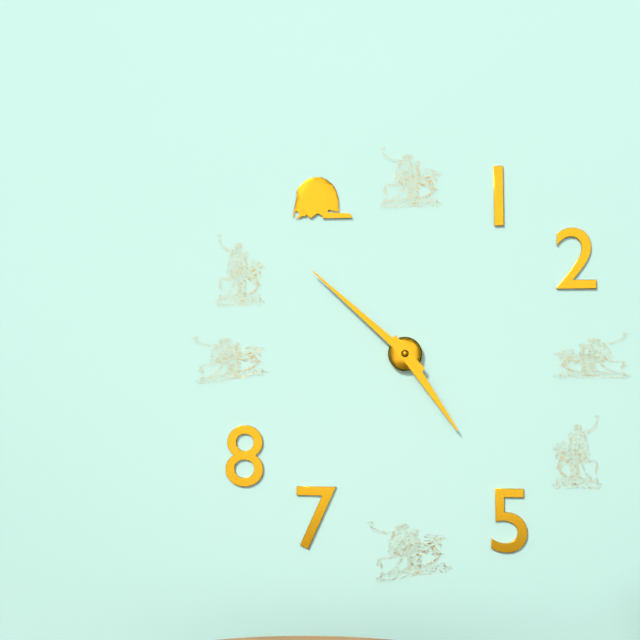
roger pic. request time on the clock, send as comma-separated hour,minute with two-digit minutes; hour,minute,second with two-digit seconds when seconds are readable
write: 4,52
